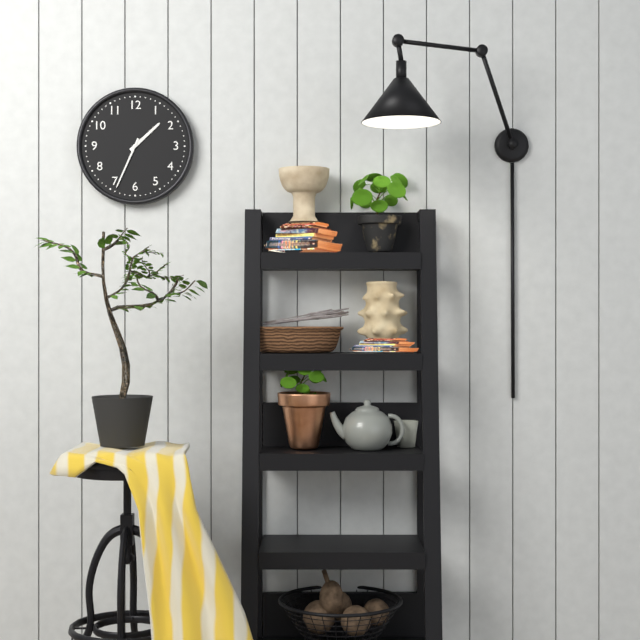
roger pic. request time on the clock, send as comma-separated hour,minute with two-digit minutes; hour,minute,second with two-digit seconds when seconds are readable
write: 1,34
